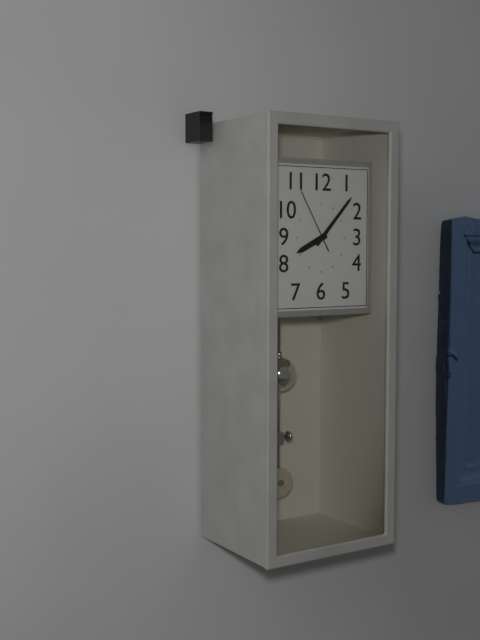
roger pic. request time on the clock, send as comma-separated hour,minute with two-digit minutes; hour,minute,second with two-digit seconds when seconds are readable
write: 8,07,55
